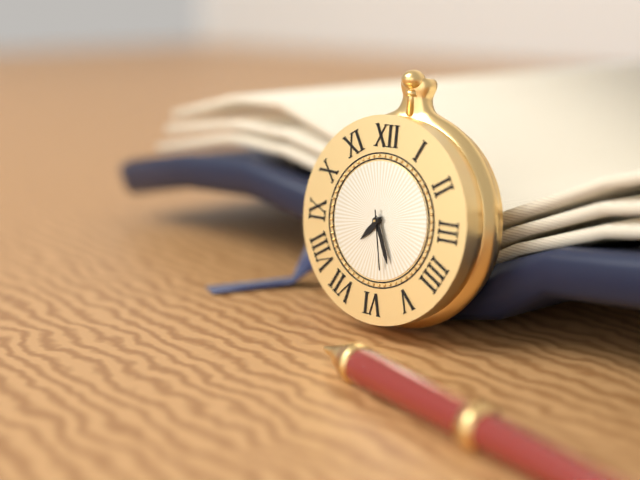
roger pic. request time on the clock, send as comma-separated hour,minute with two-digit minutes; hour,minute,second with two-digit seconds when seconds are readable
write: 7,26,28
